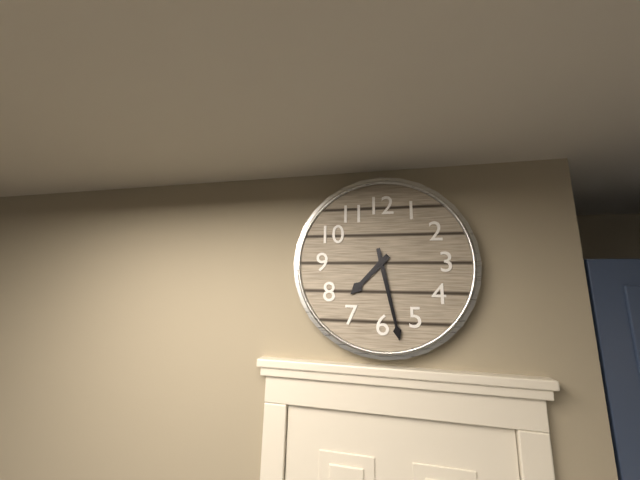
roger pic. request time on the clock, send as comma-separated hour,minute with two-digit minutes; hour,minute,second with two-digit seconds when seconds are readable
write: 7,28
